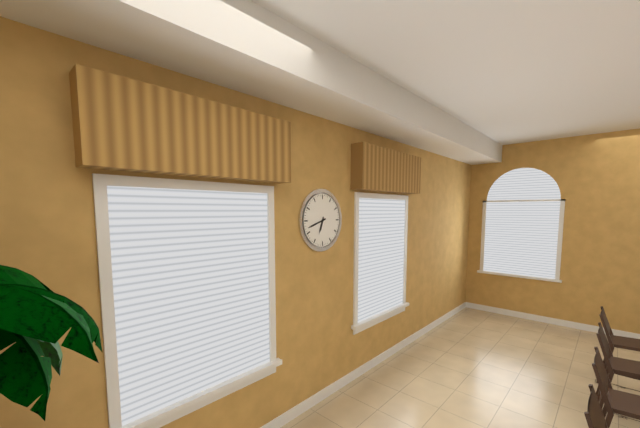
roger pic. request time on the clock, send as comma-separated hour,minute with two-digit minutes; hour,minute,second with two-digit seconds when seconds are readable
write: 6,42
